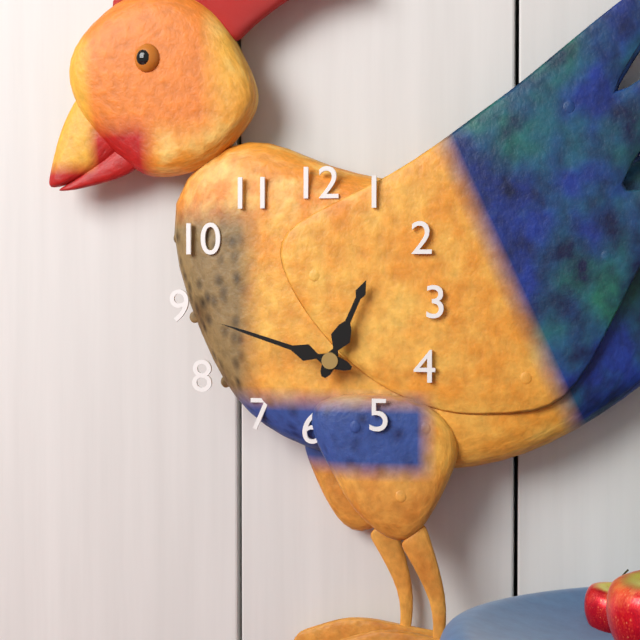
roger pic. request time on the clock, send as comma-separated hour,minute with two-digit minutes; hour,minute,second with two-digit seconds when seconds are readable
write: 12,48
